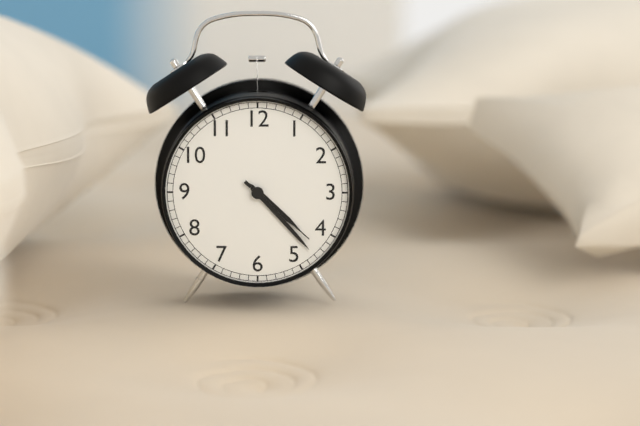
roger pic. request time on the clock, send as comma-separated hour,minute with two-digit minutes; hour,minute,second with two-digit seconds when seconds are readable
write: 4,23,22
